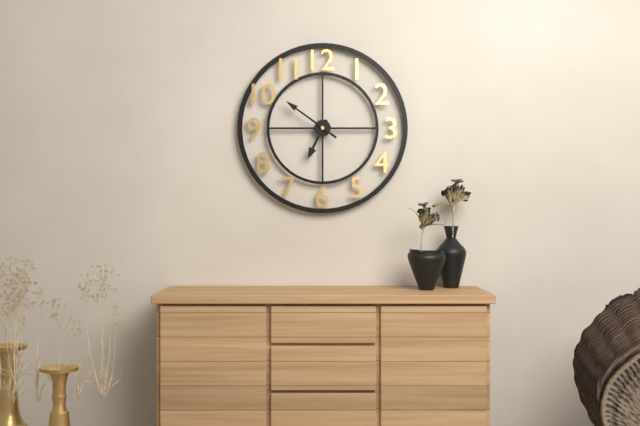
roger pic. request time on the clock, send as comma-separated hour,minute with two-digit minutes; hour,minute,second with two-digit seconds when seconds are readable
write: 6,51
